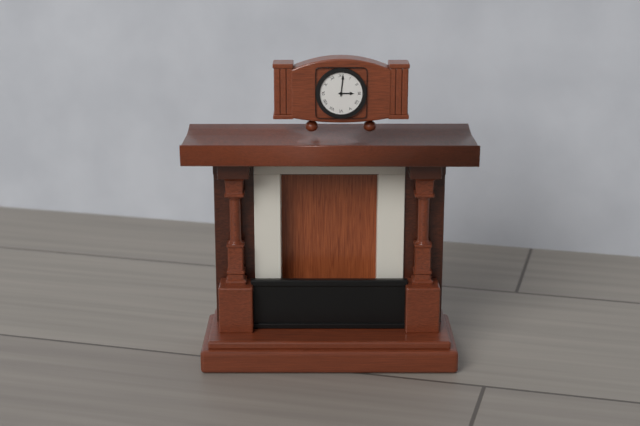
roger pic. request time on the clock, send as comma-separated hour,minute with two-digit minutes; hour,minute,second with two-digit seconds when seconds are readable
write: 3,01
